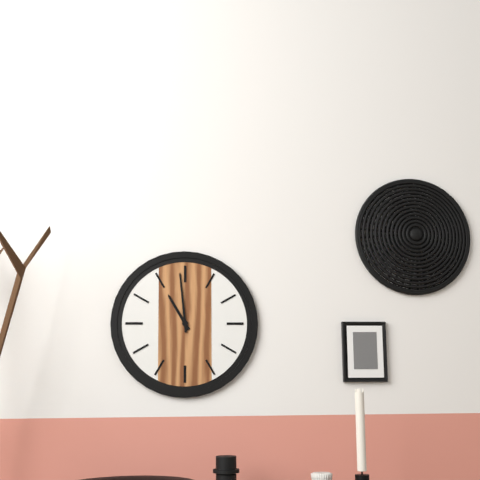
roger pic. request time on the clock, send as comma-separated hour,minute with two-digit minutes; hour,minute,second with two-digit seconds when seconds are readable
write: 10,59
